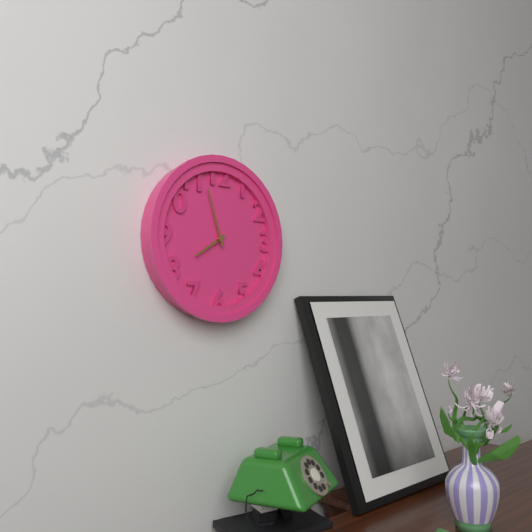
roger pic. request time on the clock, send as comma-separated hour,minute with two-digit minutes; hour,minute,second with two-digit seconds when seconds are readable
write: 7,57
